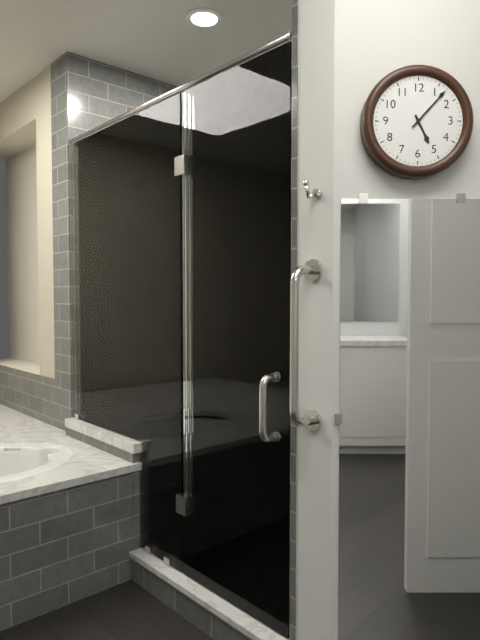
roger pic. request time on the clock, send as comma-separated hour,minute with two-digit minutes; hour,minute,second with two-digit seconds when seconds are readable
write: 5,07
